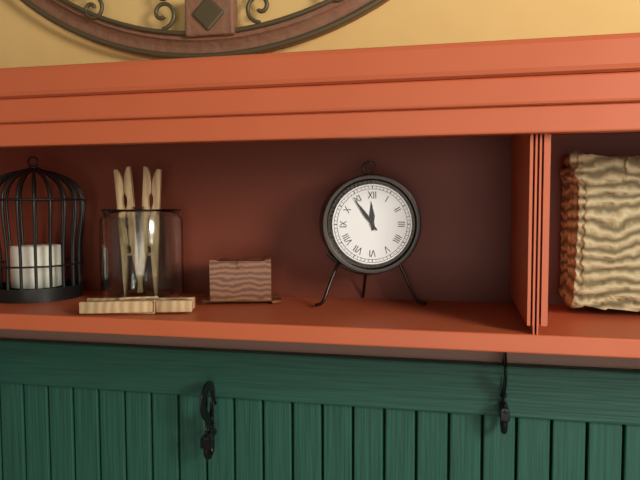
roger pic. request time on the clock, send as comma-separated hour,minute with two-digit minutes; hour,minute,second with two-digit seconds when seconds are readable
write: 11,54
